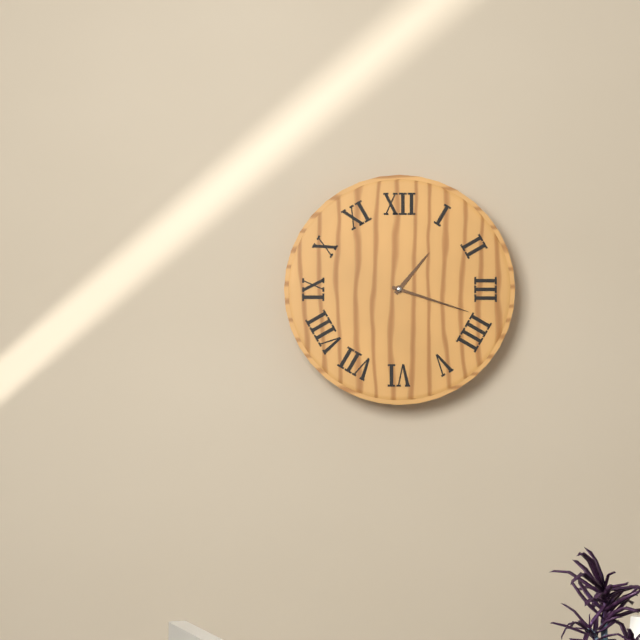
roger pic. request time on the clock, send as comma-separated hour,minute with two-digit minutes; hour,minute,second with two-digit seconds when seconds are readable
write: 1,18
